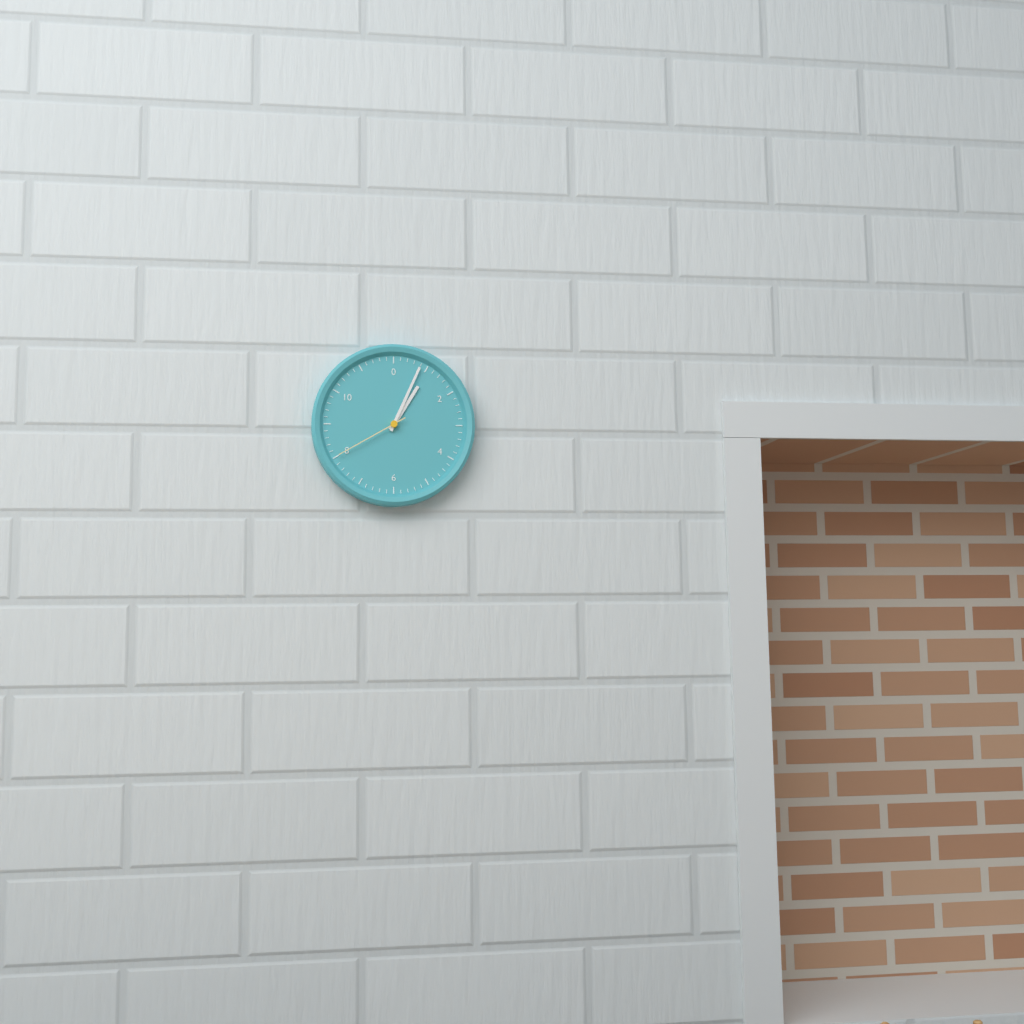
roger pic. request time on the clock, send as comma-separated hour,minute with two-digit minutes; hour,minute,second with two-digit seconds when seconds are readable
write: 1,04,40
